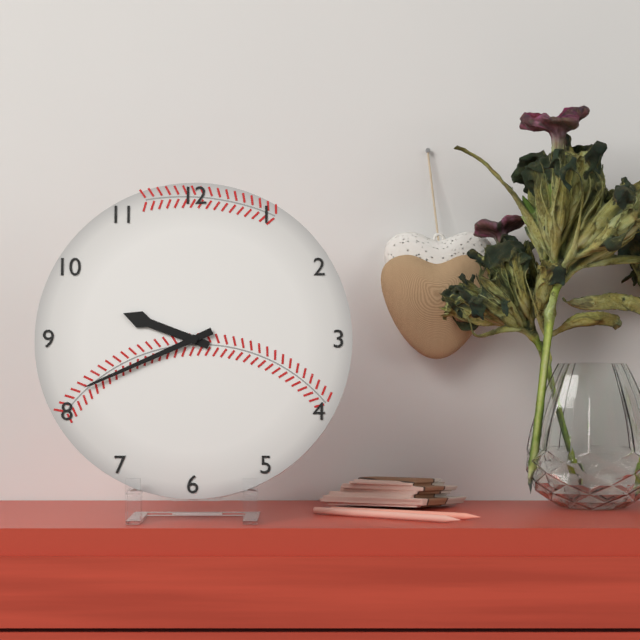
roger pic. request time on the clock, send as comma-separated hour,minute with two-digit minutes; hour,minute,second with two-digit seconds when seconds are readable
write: 9,41
